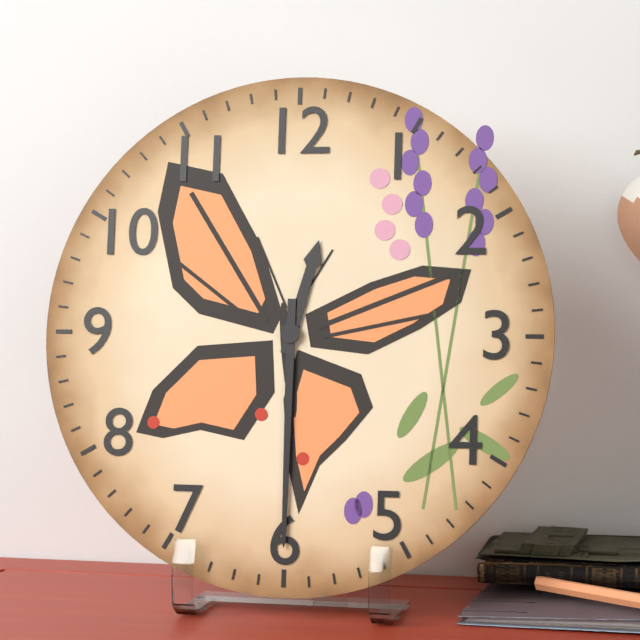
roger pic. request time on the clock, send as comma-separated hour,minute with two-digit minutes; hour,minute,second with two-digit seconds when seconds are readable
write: 12,30
